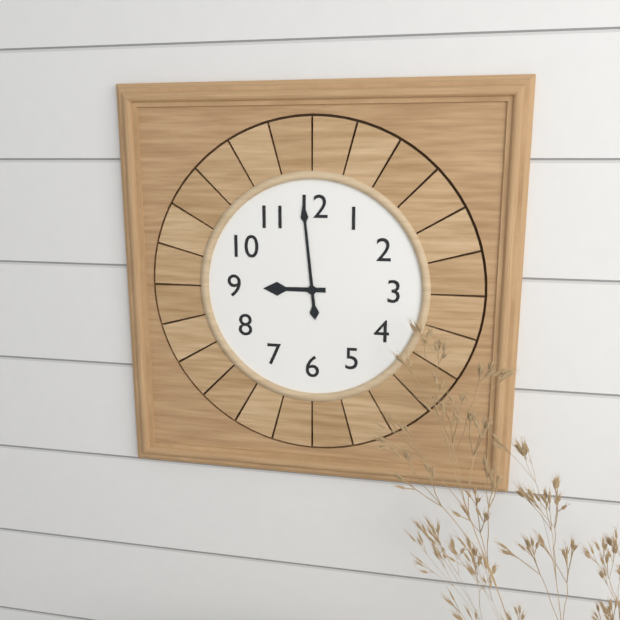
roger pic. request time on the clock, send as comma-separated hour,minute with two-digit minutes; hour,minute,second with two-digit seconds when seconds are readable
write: 8,59
